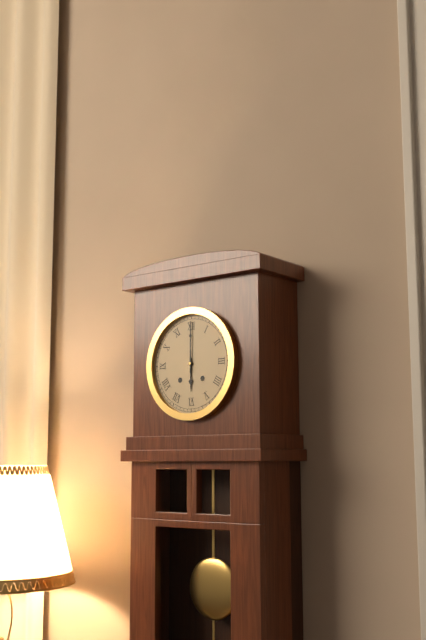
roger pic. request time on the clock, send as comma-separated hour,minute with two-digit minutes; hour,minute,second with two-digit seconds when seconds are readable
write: 6,00
